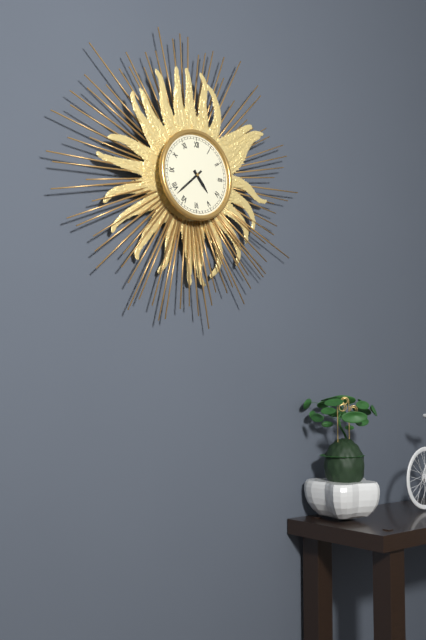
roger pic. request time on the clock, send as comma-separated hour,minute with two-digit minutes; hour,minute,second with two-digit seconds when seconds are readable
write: 4,38
